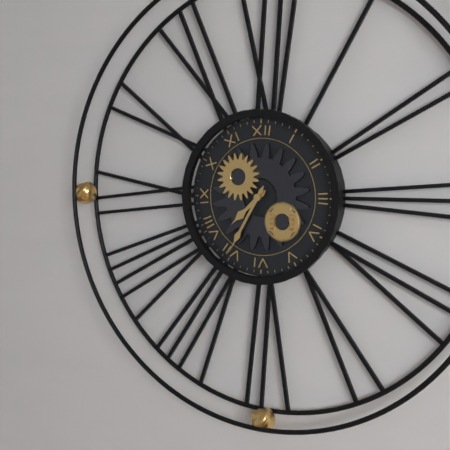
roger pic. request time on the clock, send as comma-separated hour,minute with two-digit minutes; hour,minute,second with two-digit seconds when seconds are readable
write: 7,35
